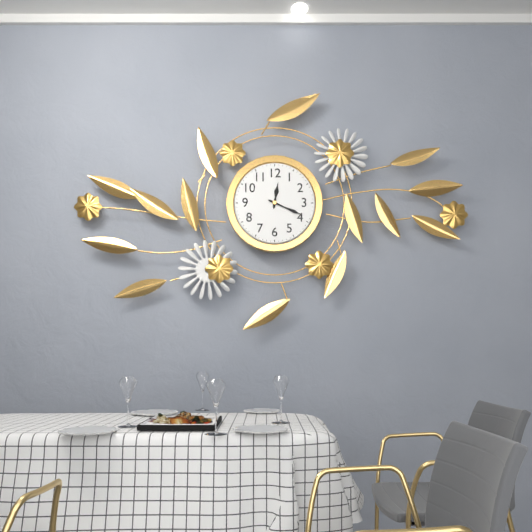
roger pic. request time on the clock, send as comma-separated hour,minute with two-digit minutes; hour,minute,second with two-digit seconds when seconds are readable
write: 12,19
